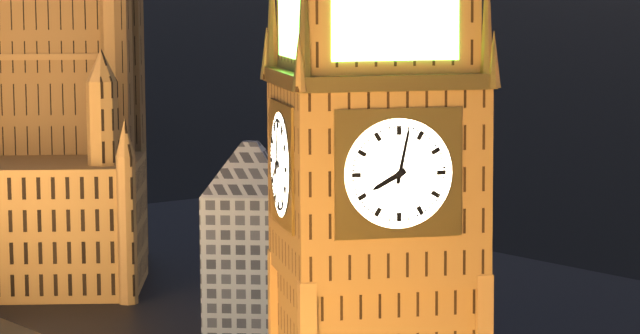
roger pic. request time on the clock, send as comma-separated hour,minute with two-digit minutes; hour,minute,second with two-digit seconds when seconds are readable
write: 8,02
